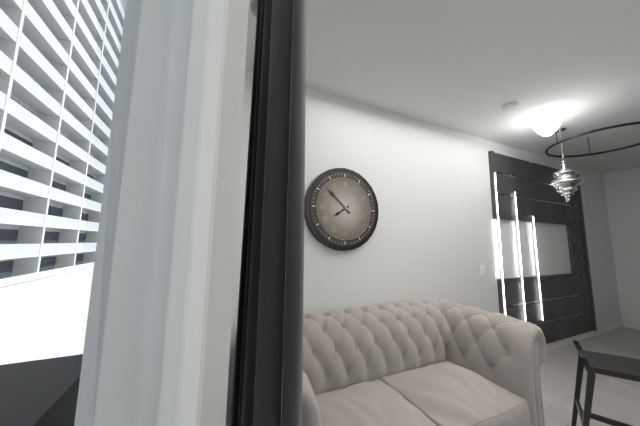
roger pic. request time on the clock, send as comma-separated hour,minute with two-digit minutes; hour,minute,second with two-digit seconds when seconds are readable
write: 7,52
